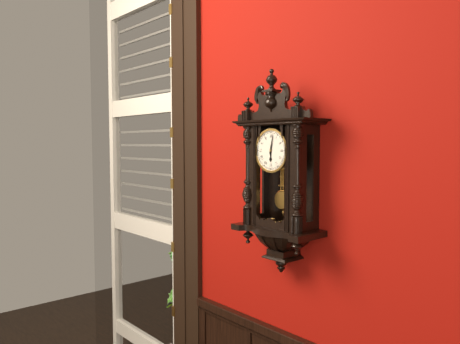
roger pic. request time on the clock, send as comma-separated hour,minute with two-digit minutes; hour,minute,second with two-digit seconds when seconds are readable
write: 6,02
